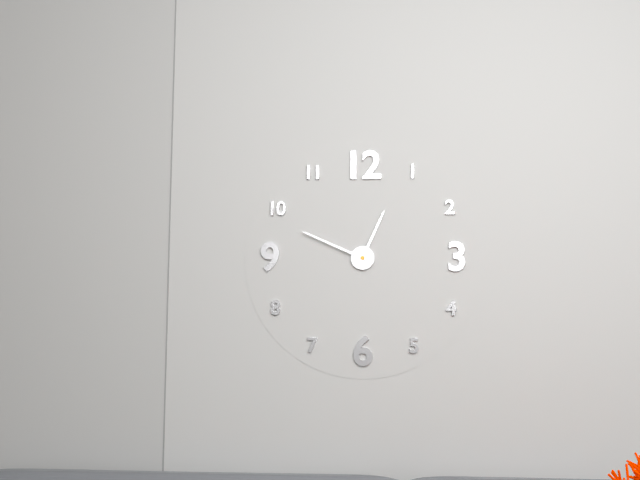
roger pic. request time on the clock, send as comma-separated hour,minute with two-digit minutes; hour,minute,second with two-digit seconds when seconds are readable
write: 12,49
